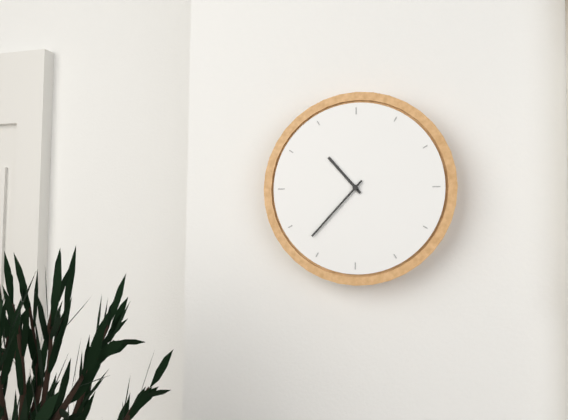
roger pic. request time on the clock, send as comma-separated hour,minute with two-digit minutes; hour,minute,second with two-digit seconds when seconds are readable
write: 10,37
